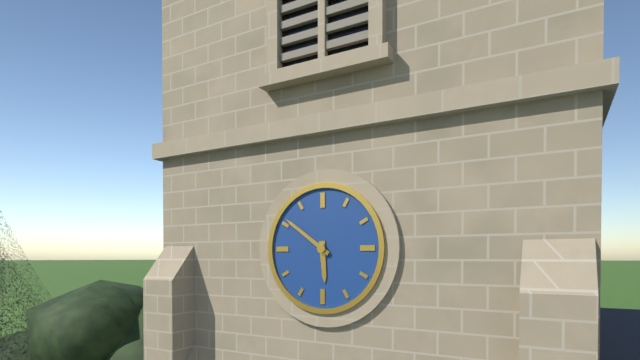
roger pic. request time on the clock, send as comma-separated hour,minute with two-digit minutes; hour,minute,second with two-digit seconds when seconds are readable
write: 5,51
